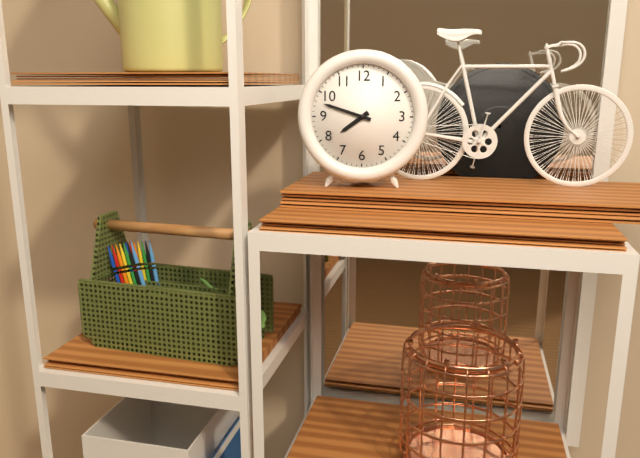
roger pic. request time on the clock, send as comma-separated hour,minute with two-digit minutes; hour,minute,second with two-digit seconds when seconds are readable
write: 7,48
